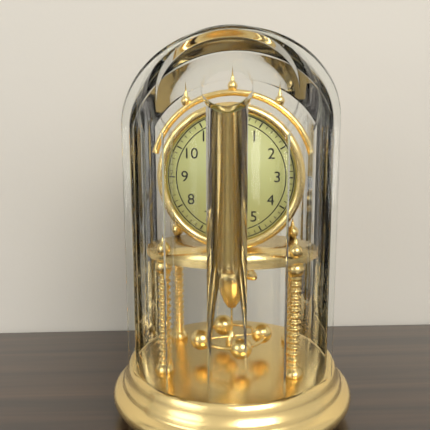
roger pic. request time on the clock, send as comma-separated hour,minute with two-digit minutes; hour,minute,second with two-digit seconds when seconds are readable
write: 6,32
